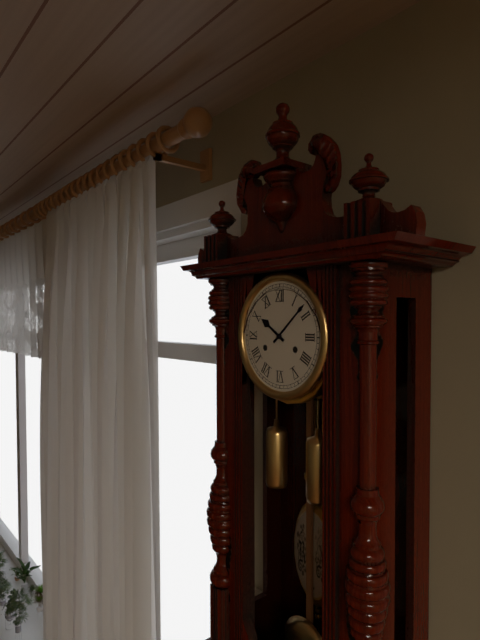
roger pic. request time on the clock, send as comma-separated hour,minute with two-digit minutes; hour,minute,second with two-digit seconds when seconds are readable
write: 10,08
